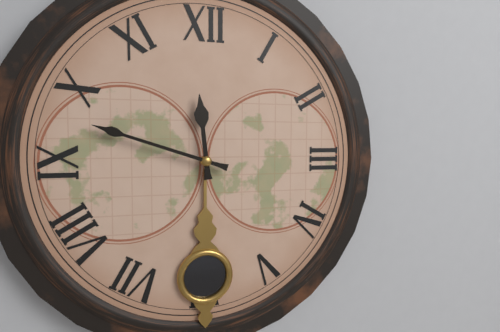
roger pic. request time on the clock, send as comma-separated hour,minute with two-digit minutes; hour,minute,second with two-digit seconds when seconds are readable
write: 11,48
